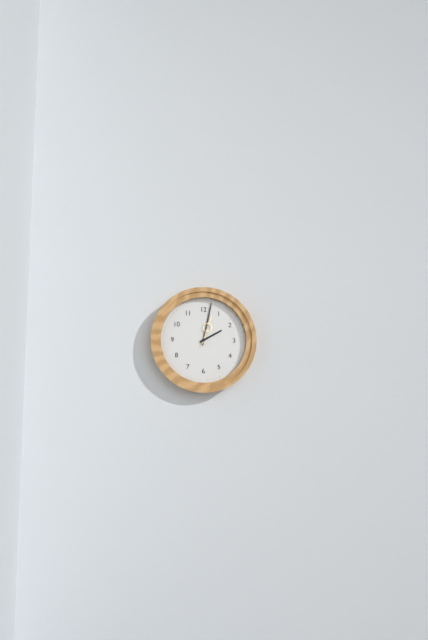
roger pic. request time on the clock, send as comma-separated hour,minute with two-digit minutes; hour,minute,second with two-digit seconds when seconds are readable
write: 2,02
